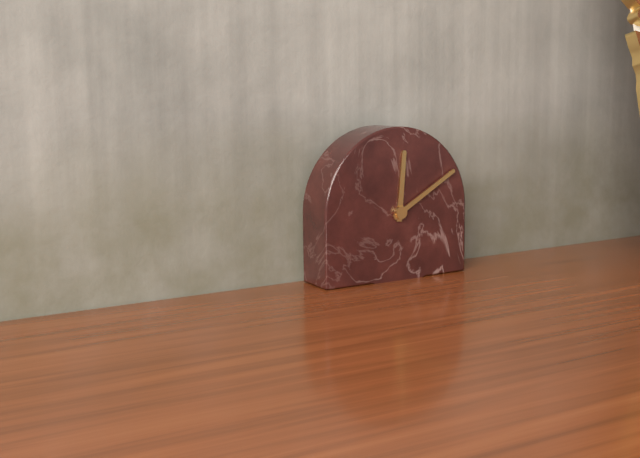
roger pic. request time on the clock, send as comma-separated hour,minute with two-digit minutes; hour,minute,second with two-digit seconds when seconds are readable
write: 12,10
